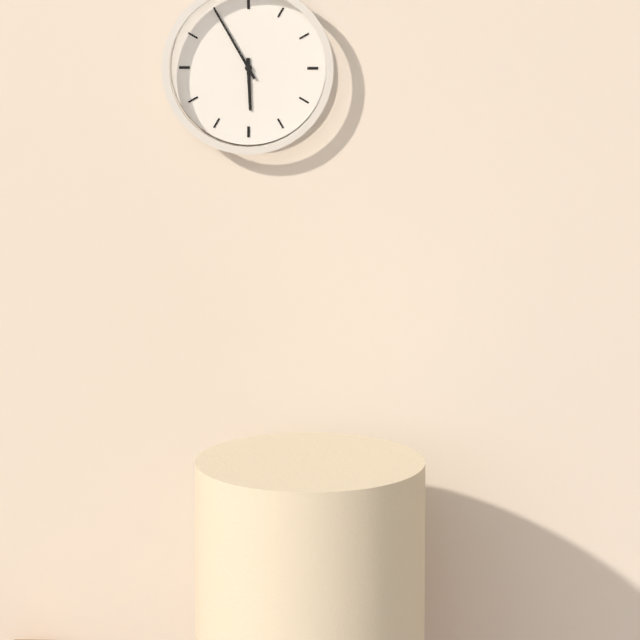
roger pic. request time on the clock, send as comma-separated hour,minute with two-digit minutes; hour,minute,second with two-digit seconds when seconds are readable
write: 5,55
